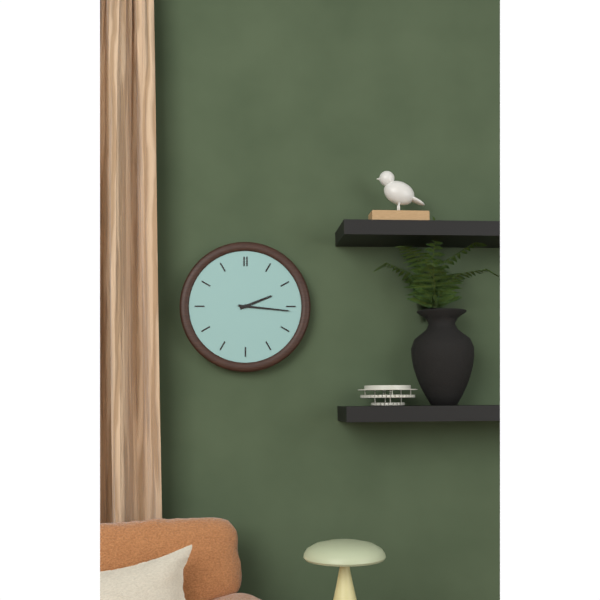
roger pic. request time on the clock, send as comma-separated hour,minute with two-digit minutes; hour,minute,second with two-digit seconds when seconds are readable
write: 2,16
